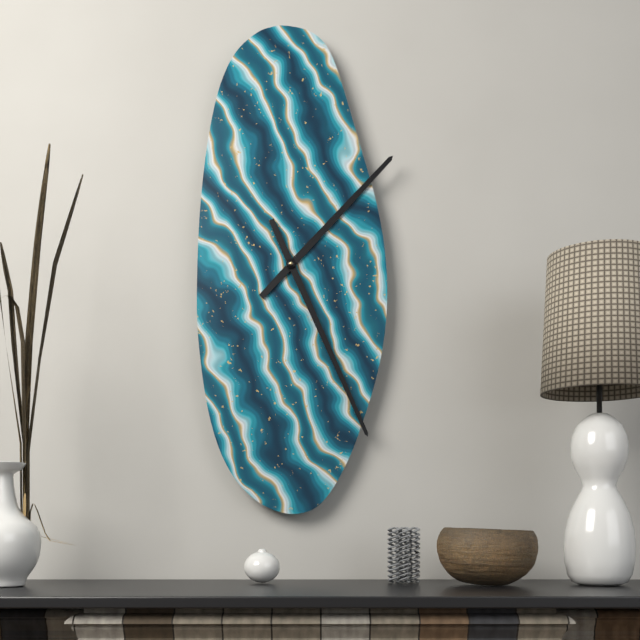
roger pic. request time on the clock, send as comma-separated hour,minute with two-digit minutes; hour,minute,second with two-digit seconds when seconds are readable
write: 1,26
